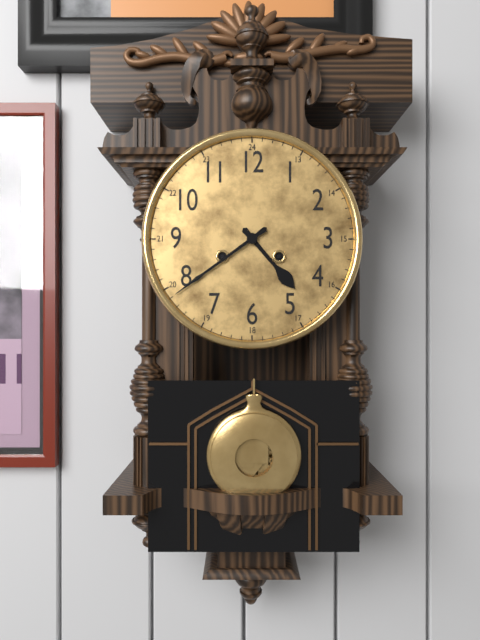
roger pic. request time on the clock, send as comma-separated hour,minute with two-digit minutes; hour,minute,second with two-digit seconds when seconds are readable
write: 4,39
